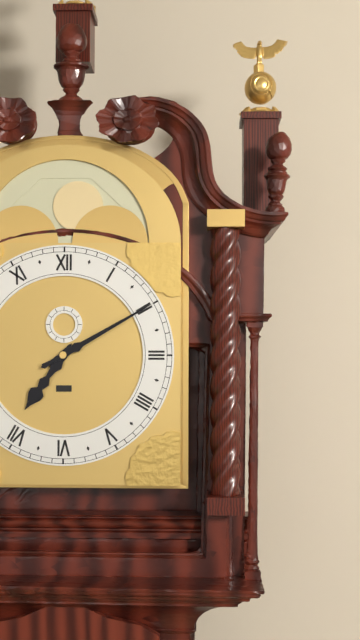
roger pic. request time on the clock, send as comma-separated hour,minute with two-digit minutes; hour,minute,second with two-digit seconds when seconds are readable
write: 7,10
